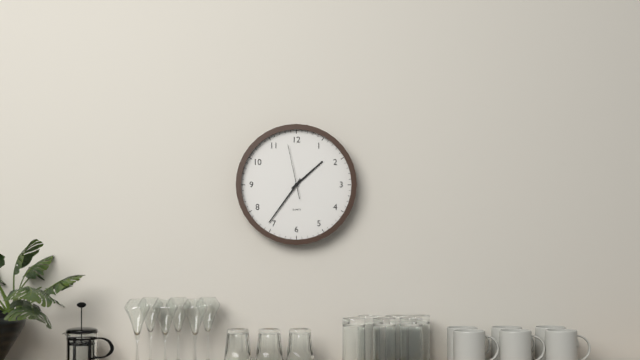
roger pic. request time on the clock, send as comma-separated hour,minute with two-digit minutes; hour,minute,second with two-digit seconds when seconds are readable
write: 1,36,58
